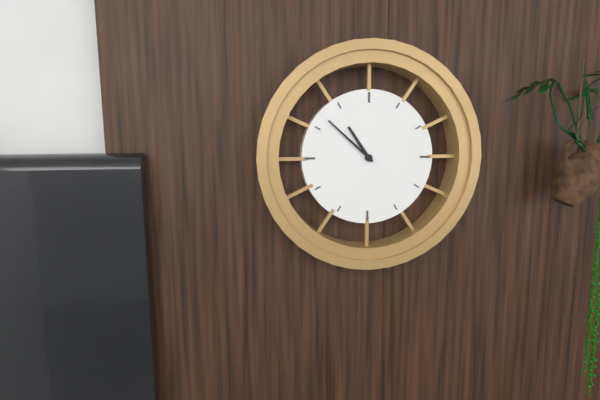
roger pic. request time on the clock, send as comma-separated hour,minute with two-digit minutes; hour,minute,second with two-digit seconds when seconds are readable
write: 10,52
